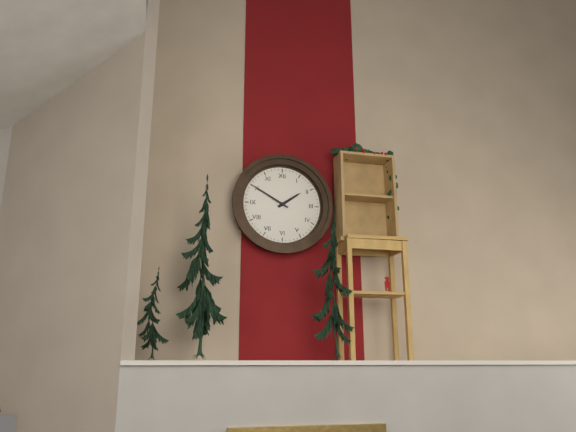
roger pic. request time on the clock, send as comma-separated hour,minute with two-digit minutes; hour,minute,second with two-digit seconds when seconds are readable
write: 1,50
